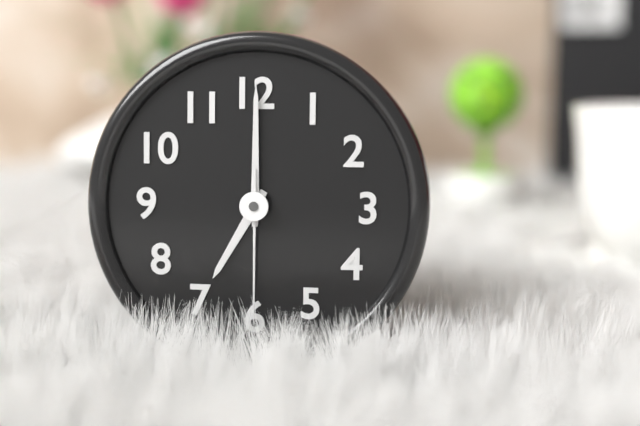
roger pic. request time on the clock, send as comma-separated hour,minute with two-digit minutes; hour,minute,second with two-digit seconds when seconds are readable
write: 7,00,30
